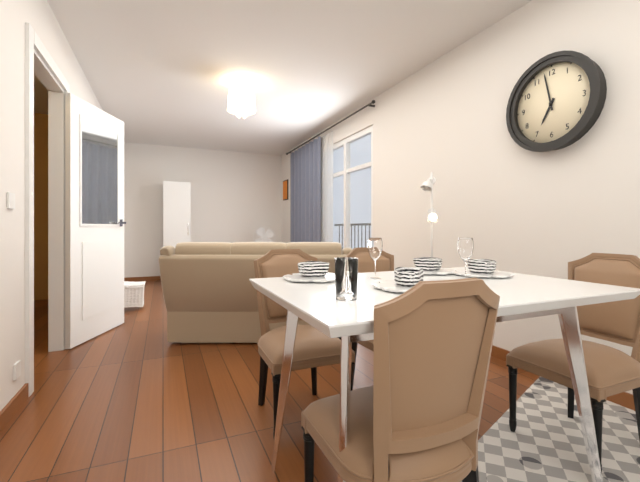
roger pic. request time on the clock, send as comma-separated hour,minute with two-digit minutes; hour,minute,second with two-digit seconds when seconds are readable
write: 6,58
